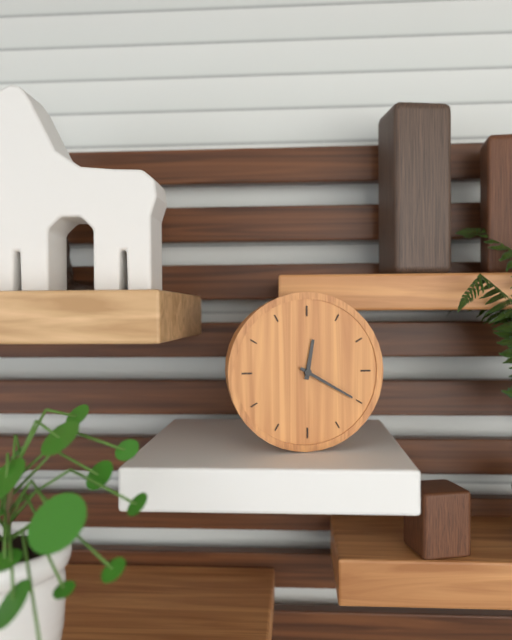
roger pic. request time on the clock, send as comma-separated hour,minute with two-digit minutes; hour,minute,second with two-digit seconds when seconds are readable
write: 12,20
